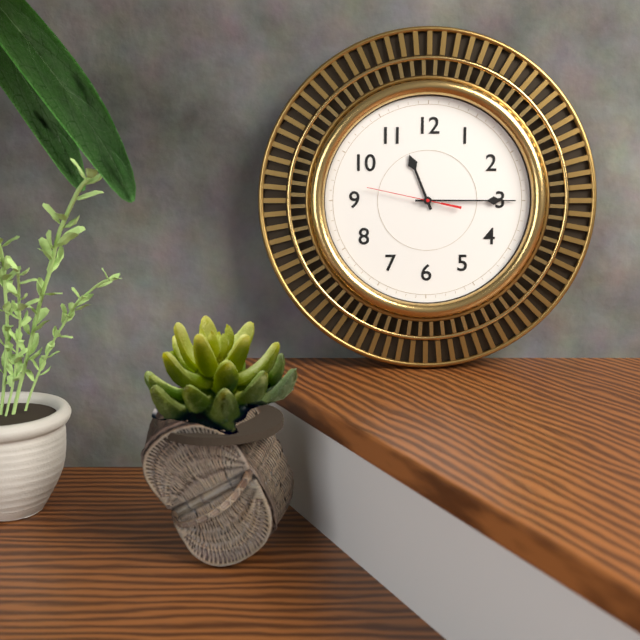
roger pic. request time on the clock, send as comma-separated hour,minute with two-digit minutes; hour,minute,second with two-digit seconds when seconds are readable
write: 11,15,47
